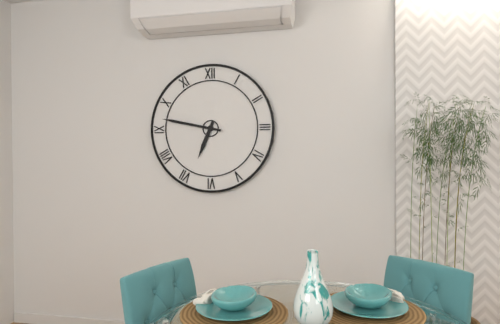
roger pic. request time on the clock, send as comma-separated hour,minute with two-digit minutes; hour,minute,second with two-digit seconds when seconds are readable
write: 6,47
